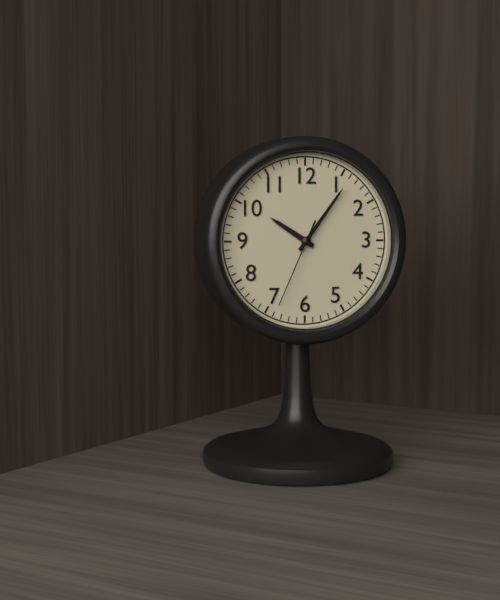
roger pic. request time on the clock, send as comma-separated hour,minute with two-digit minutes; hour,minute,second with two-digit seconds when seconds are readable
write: 10,06,34
